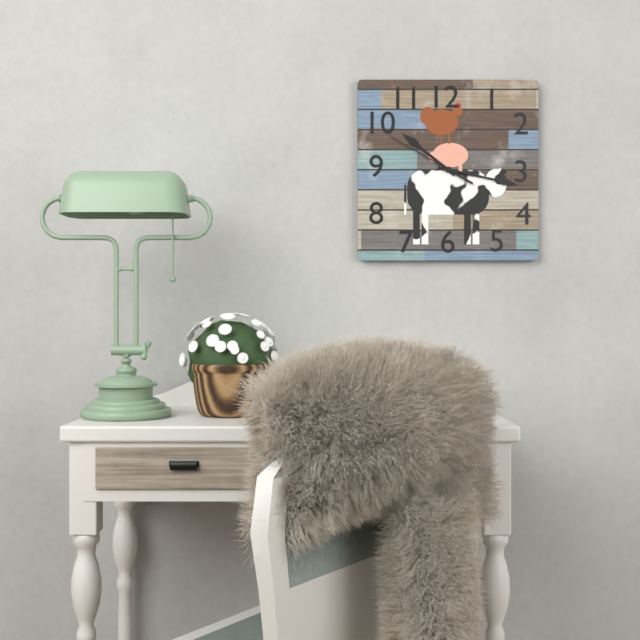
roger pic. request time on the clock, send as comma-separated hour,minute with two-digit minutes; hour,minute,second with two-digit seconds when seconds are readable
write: 10,17,50
